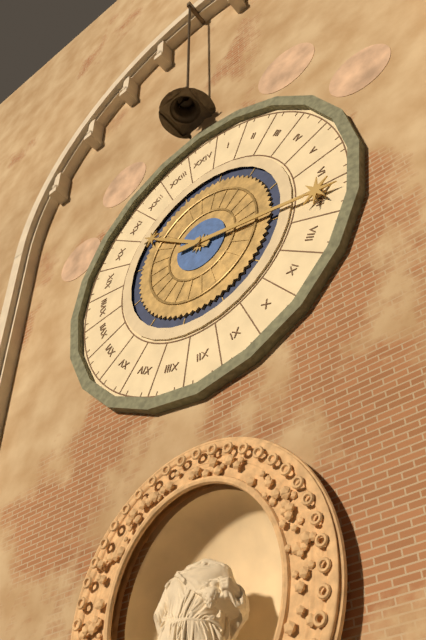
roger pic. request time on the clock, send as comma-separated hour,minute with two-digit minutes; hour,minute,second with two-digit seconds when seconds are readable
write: 10,17
